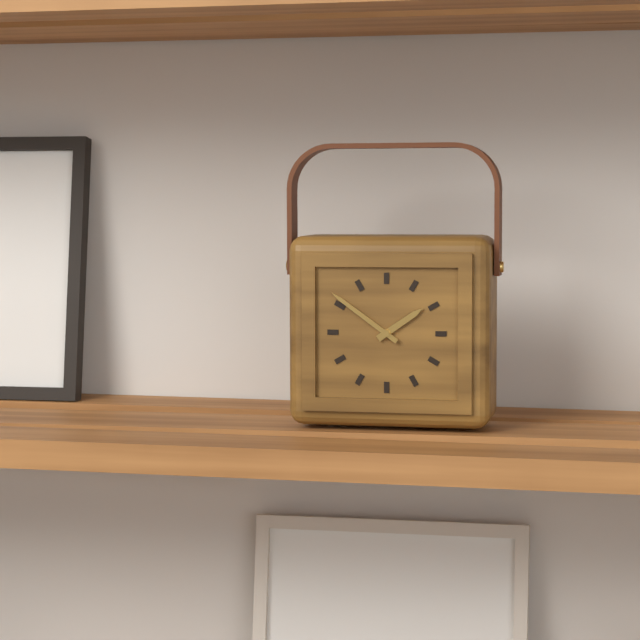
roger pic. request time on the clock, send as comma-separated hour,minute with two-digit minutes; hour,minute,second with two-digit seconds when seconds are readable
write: 1,51
